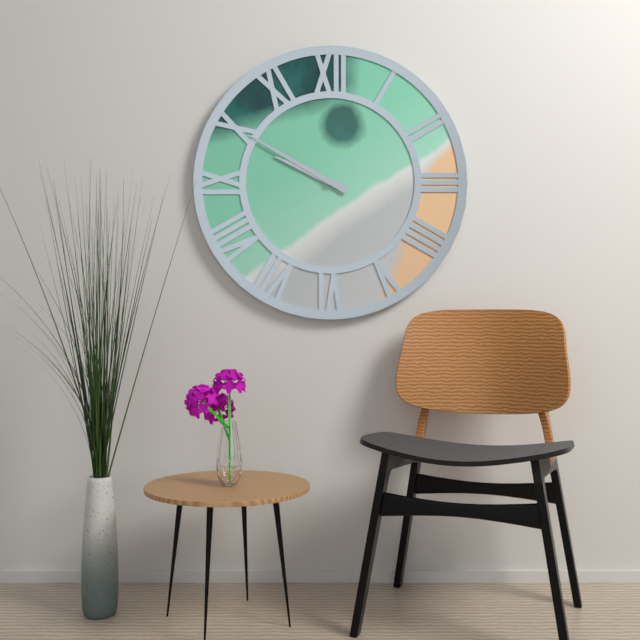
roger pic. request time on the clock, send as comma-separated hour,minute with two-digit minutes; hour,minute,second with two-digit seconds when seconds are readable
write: 9,50
